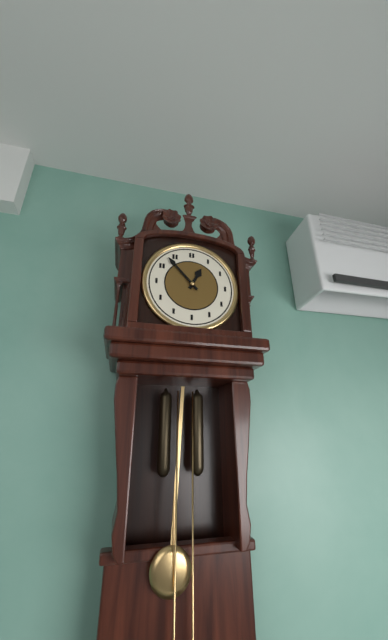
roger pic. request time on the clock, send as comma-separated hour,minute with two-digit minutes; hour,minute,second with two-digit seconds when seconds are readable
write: 12,53
